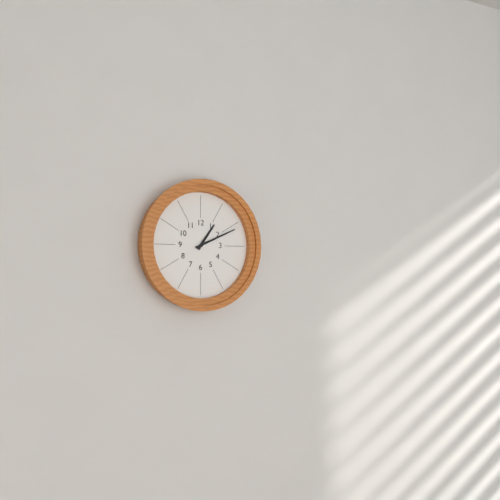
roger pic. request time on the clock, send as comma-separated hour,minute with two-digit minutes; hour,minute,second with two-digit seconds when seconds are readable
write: 1,11
